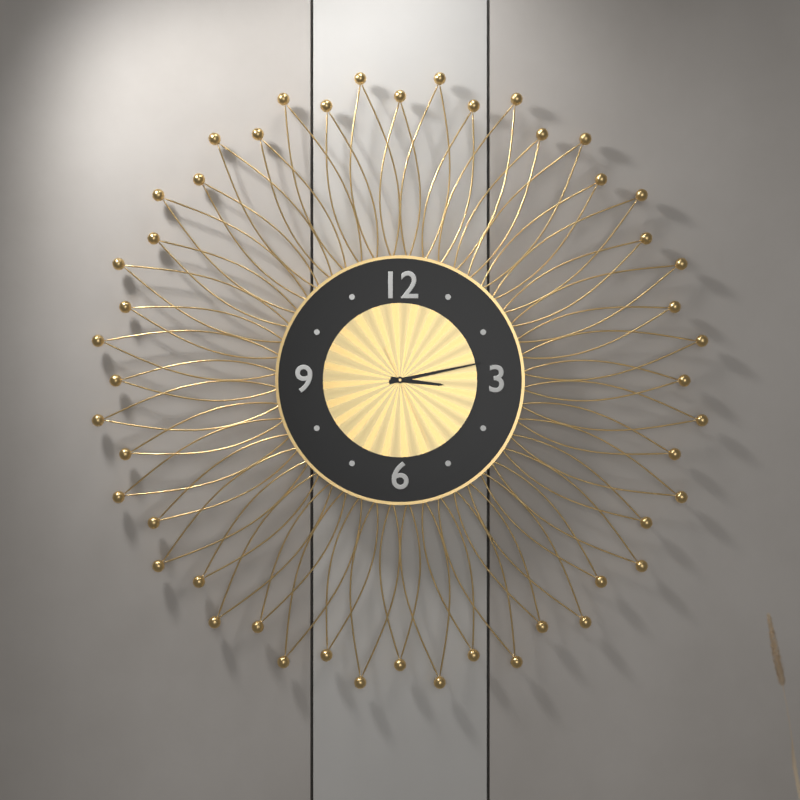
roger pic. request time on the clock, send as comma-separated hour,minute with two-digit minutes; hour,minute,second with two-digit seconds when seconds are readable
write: 3,13,26
